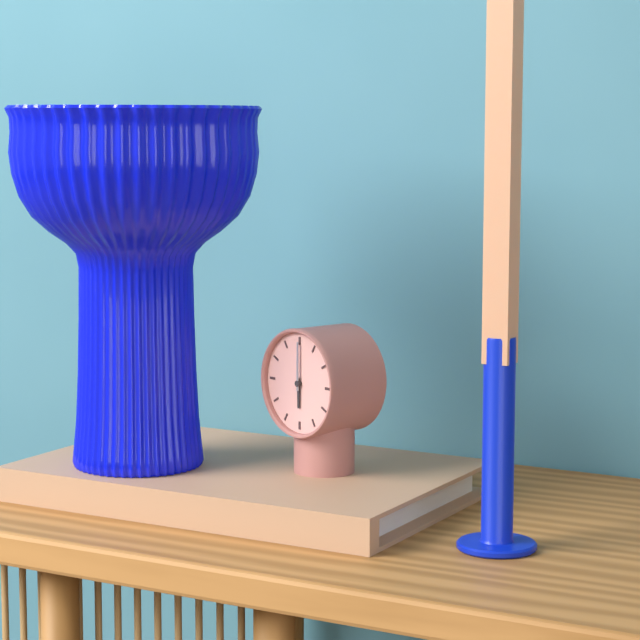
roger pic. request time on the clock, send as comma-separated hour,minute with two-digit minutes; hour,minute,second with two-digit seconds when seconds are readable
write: 6,00
